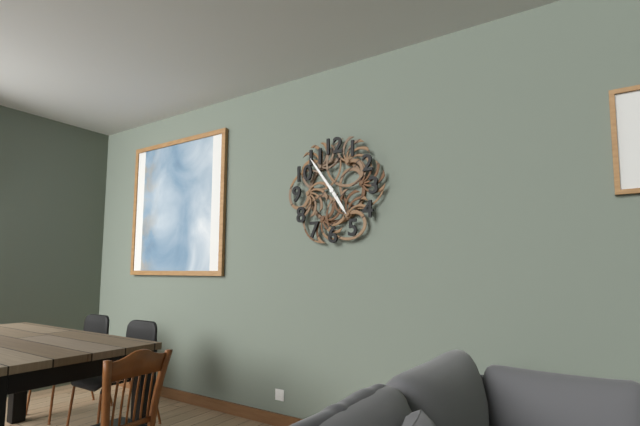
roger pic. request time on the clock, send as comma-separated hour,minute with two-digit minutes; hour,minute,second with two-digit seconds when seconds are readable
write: 4,54
